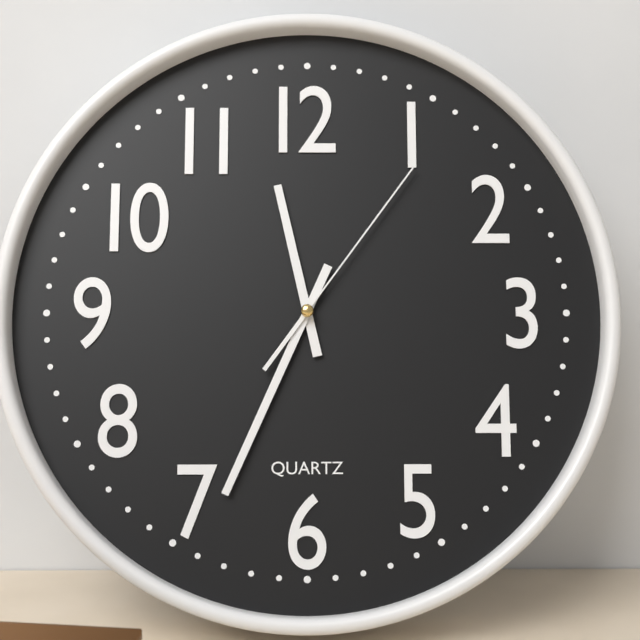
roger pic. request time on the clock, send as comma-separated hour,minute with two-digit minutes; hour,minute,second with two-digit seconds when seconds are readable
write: 11,34,06
